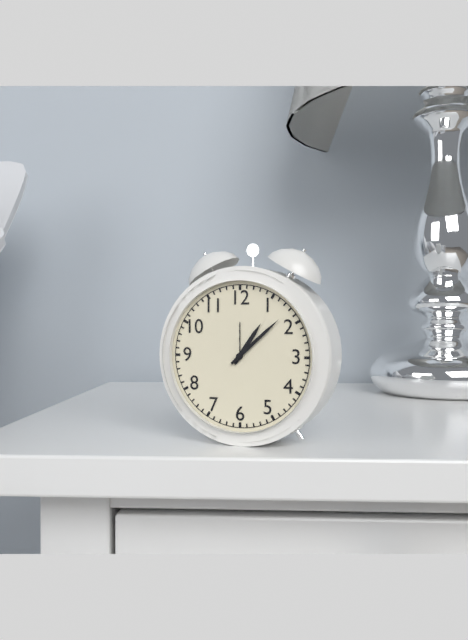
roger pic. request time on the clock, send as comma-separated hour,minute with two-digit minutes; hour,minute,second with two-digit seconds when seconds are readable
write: 1,08
